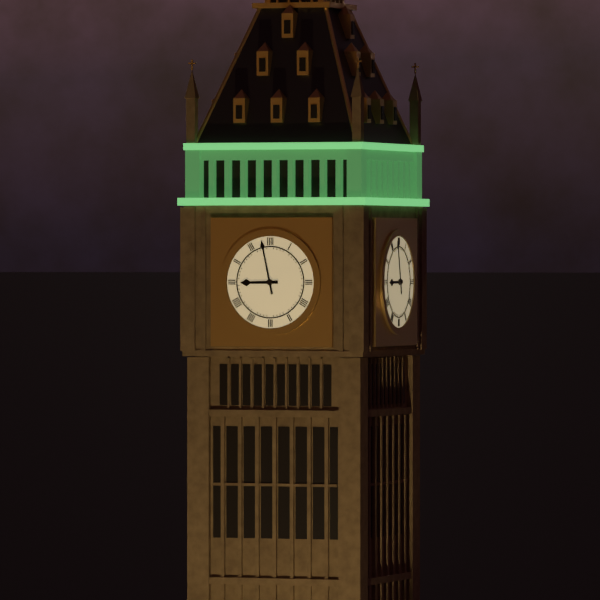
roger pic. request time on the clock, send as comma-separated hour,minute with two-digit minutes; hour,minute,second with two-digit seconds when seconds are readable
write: 8,58
